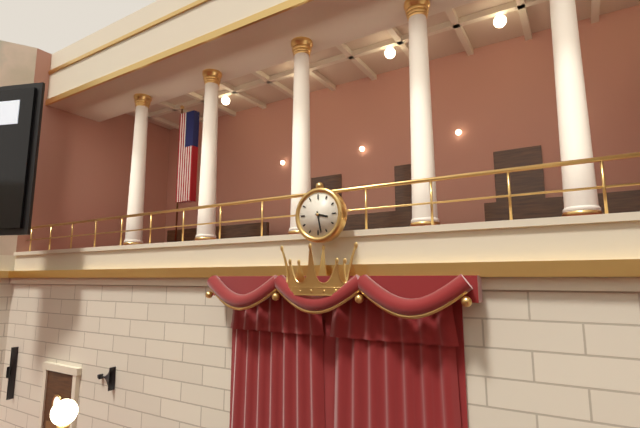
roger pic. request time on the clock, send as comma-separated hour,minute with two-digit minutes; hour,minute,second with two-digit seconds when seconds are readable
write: 3,28
